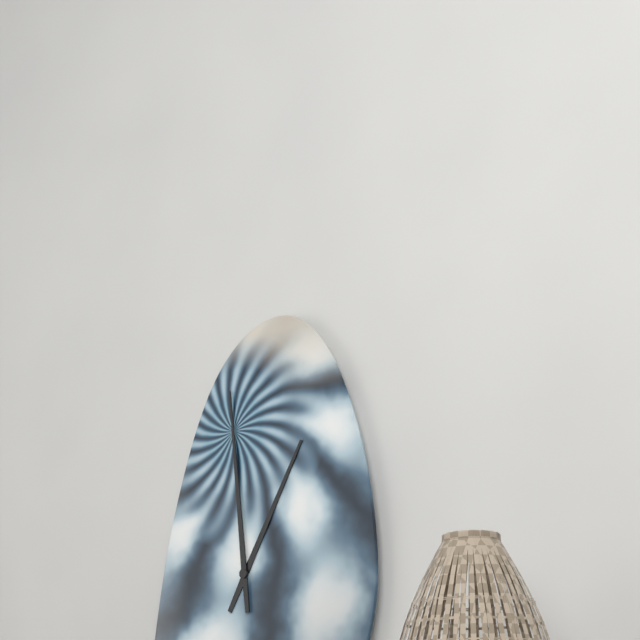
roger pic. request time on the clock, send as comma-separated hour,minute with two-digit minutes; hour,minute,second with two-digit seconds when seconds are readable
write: 12,59
